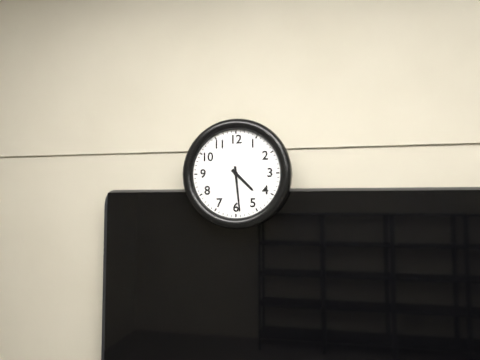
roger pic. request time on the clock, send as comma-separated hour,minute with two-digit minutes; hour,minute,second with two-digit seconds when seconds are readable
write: 4,29
